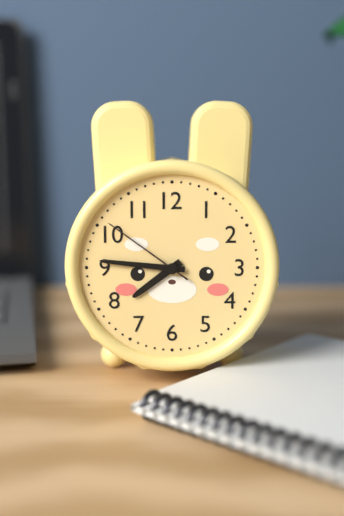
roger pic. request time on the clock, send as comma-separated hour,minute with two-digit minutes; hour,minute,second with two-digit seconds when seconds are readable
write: 7,46,51
